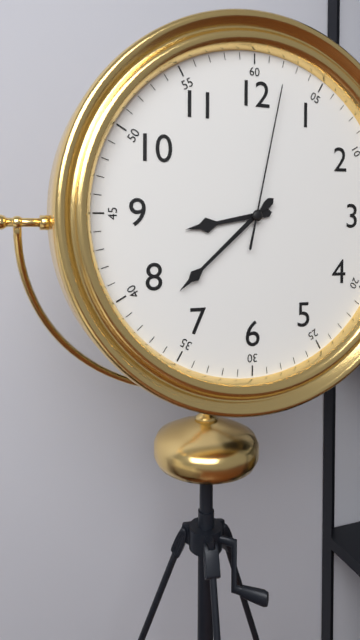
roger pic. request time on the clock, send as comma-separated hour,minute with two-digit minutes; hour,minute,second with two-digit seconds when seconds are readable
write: 8,38,02
